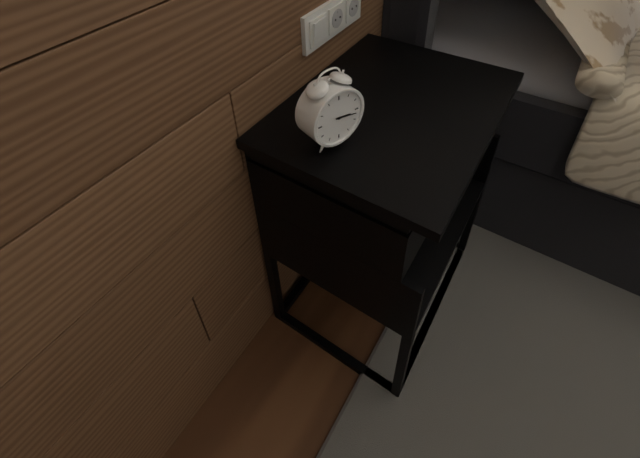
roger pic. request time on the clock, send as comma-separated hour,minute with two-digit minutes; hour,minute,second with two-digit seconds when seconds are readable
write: 3,17
